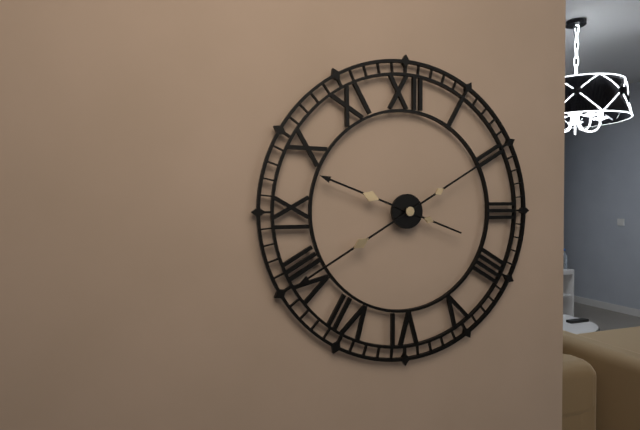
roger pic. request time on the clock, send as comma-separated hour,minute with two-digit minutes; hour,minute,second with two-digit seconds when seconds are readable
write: 9,40
